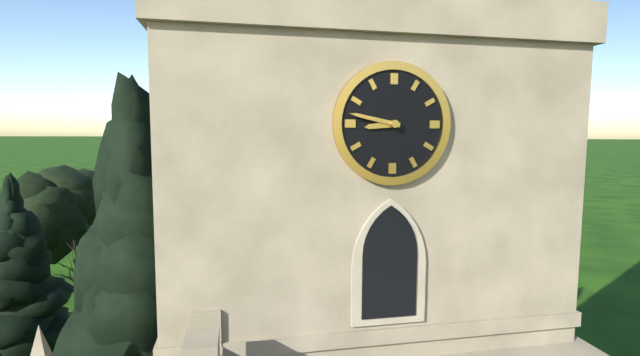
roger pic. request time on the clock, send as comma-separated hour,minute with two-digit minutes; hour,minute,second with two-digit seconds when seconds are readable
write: 8,47
